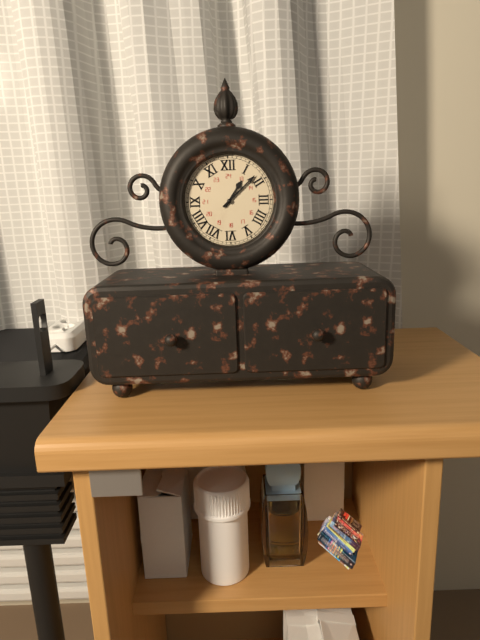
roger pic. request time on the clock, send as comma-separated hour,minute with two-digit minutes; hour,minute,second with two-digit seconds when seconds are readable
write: 1,08
